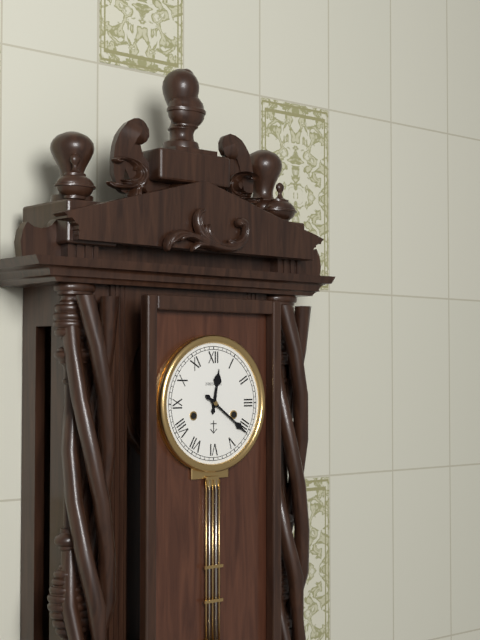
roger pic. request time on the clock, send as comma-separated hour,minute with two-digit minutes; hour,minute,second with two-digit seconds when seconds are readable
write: 12,21
